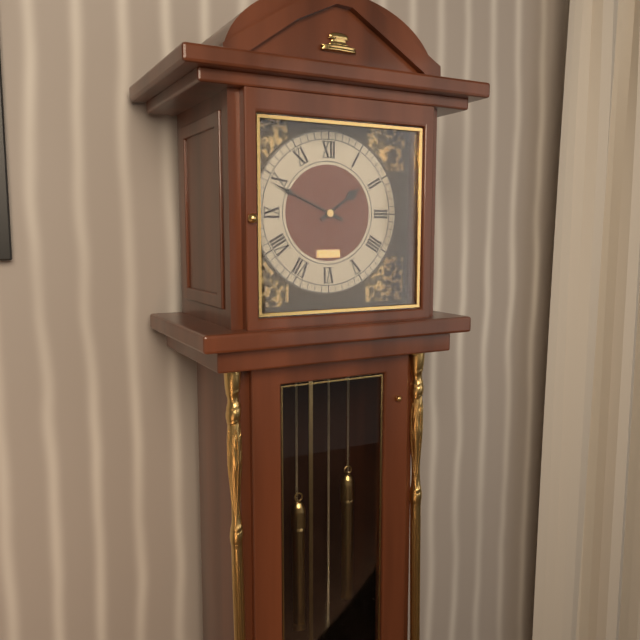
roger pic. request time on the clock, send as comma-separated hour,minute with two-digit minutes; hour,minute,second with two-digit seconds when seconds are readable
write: 1,49
